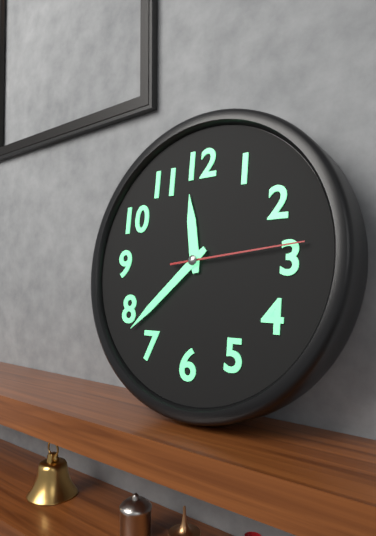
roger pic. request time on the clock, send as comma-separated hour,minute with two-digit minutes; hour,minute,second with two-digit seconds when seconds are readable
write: 11,38,14
